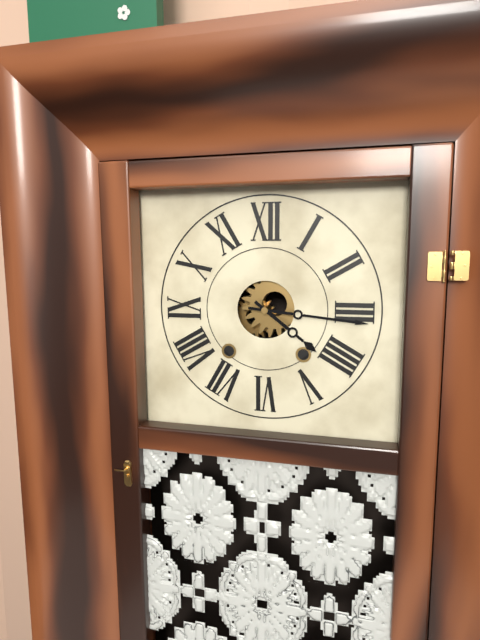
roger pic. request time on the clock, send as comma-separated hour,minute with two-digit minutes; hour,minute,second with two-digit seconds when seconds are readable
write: 4,16
